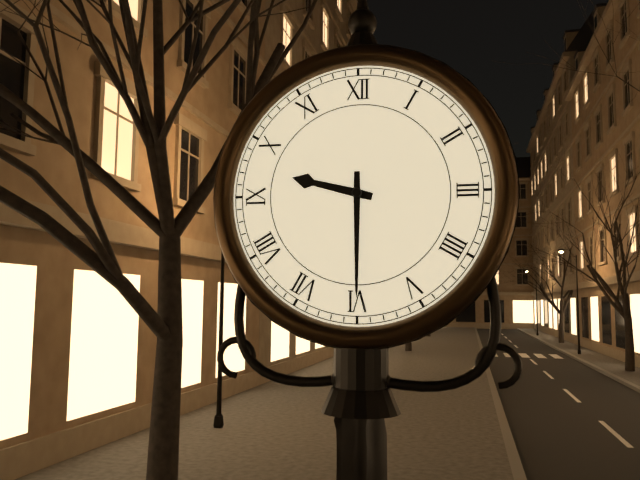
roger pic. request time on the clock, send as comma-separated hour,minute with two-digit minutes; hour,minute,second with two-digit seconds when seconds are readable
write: 9,30
